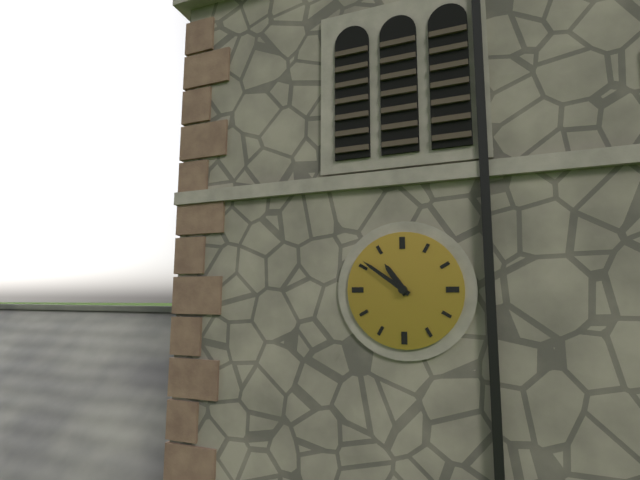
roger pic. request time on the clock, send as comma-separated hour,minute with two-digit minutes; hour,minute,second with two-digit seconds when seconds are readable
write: 10,51
